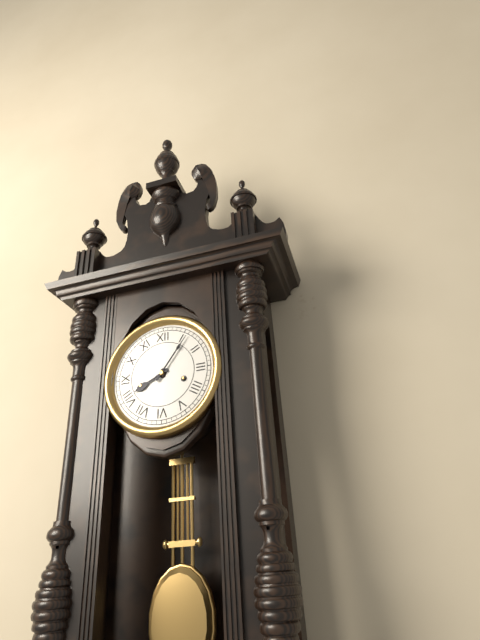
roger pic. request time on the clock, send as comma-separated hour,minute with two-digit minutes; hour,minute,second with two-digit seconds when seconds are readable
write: 8,06
